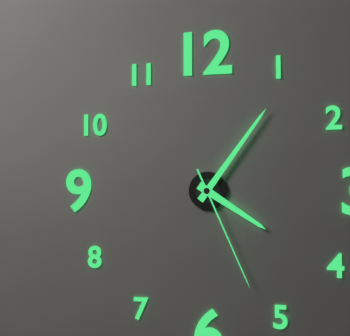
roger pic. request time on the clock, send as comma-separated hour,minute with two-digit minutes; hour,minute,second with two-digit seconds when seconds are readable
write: 4,06,26
